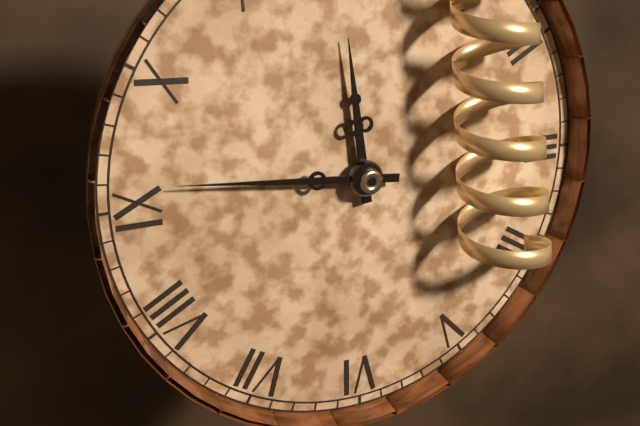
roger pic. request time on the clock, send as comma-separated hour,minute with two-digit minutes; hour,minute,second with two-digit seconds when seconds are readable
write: 11,46
